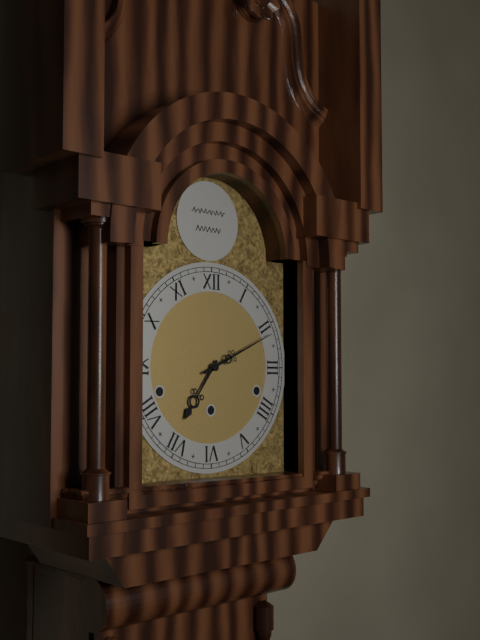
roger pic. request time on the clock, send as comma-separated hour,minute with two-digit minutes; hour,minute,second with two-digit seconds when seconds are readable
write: 7,11
